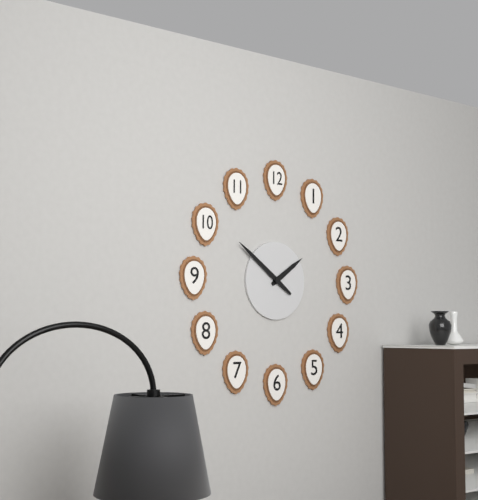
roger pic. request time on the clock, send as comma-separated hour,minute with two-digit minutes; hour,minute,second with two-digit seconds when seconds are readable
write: 1,51
